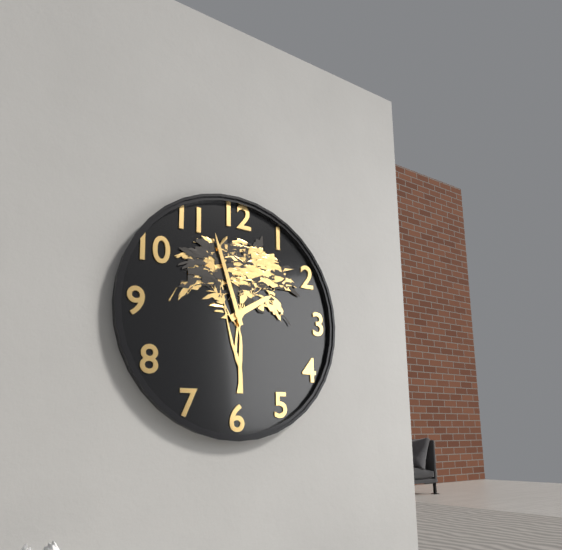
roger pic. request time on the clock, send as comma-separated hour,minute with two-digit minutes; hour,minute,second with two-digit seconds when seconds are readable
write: 1,57
